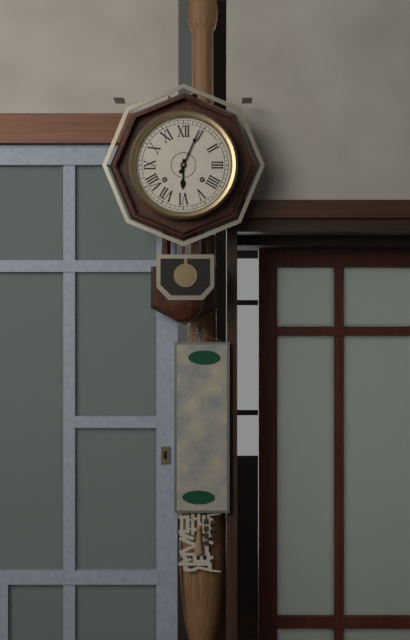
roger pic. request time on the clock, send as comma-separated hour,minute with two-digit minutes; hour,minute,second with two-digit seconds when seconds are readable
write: 6,04
